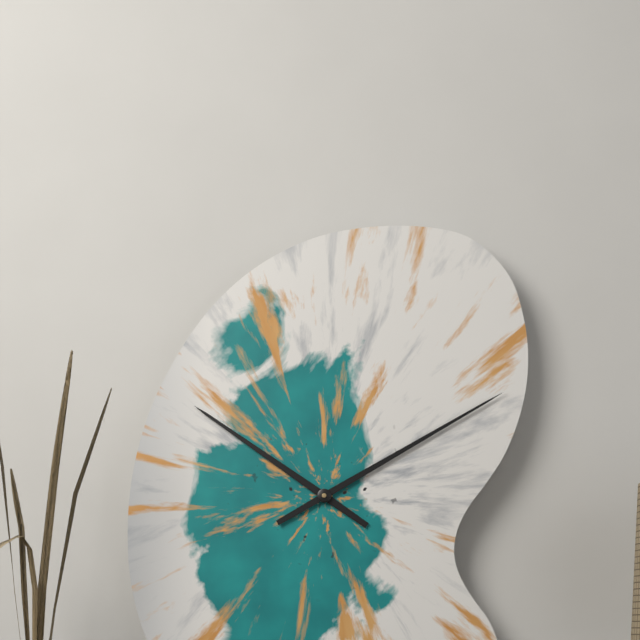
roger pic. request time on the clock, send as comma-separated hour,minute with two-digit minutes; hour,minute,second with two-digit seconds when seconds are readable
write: 10,10
